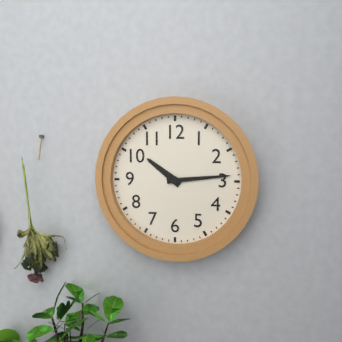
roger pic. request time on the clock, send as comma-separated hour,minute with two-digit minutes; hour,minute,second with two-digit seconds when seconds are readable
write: 10,14
